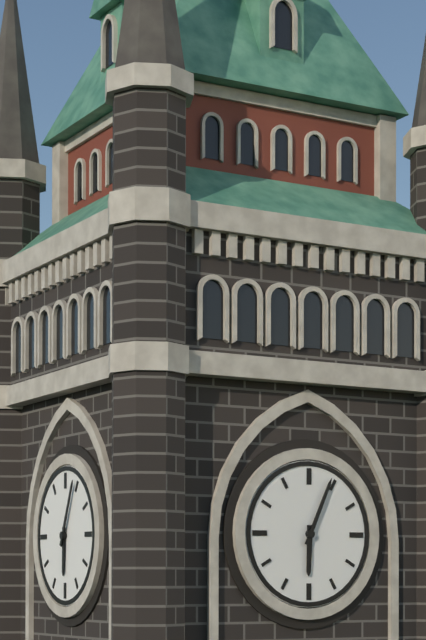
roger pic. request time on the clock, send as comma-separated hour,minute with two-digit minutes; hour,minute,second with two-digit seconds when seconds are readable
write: 6,04
